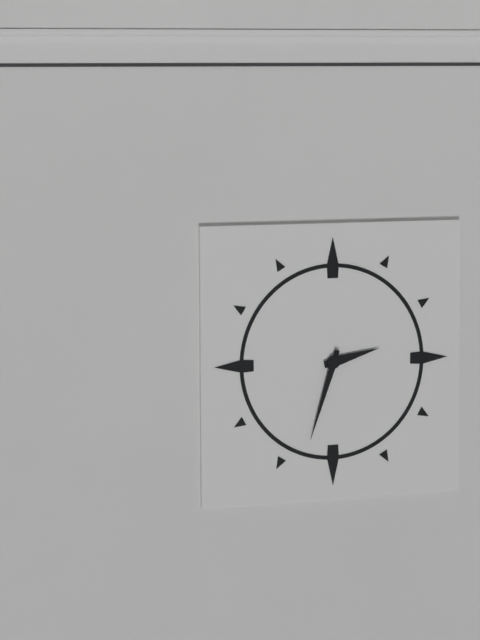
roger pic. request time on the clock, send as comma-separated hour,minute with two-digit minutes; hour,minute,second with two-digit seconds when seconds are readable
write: 2,33
